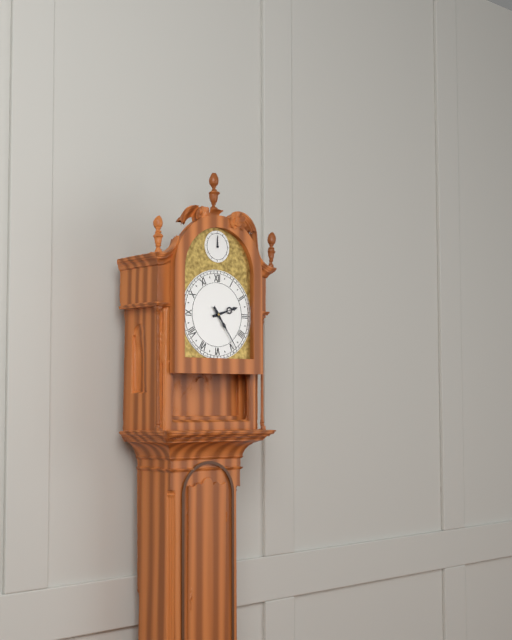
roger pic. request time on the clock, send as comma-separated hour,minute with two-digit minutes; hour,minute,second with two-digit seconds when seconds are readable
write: 2,24
